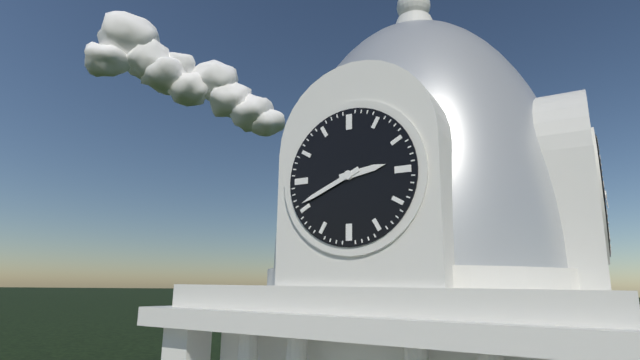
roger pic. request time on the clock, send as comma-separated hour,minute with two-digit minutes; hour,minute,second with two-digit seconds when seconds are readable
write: 2,41
